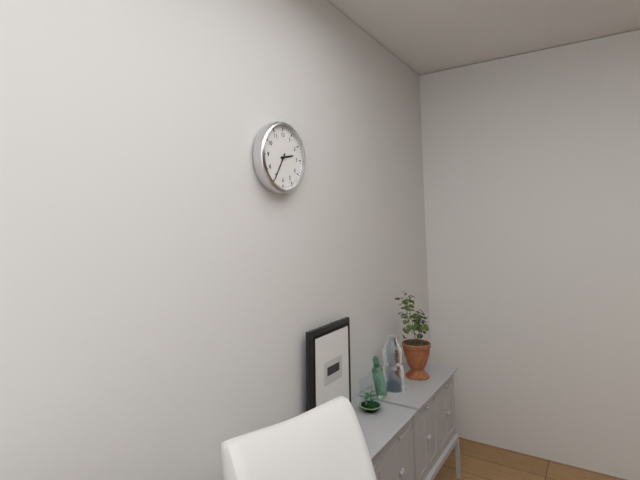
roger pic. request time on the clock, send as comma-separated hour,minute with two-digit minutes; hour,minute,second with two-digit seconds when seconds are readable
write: 2,35
